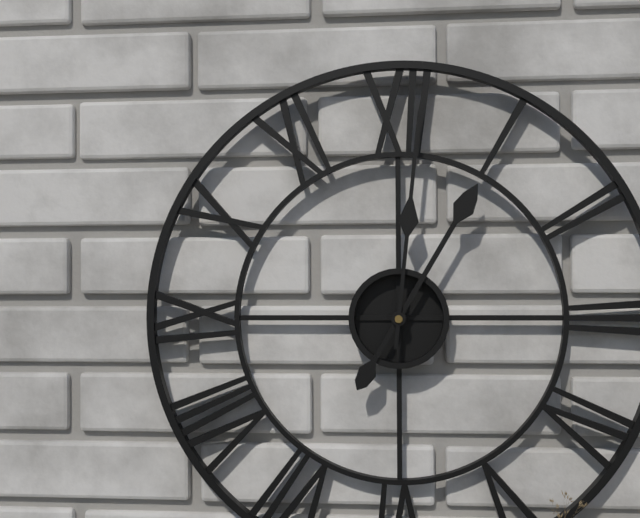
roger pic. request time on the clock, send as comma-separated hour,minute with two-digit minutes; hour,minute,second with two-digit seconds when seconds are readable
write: 1,01
